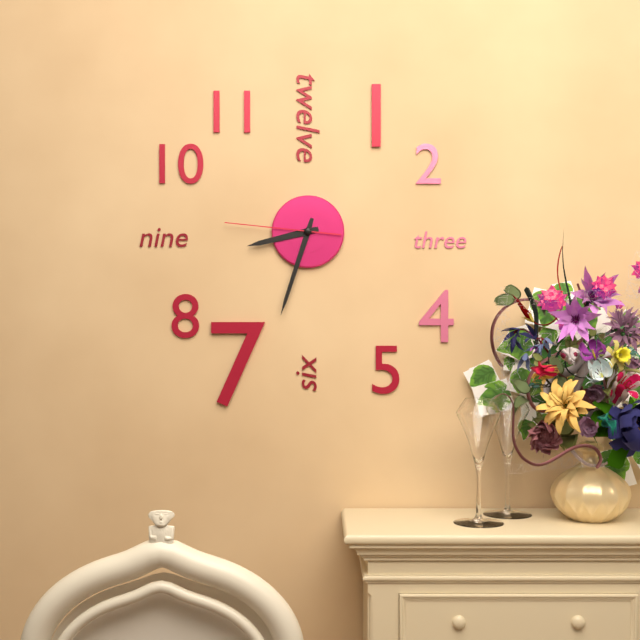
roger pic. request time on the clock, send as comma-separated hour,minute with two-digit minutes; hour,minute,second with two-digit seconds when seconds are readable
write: 8,33,46
